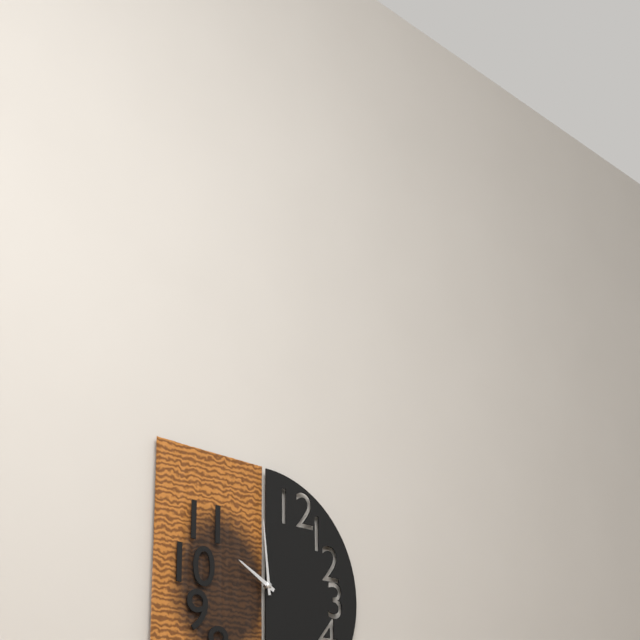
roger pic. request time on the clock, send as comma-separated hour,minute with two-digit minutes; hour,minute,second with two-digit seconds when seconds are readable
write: 9,59
